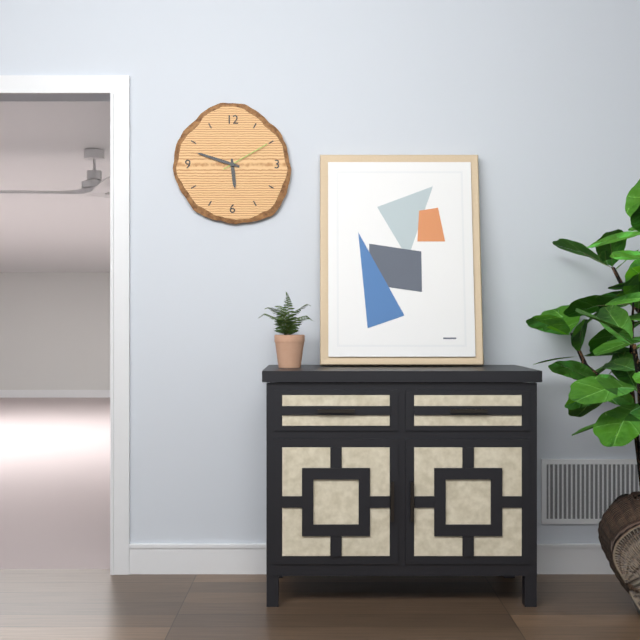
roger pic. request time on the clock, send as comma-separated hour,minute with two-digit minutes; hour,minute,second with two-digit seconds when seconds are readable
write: 5,48,10
